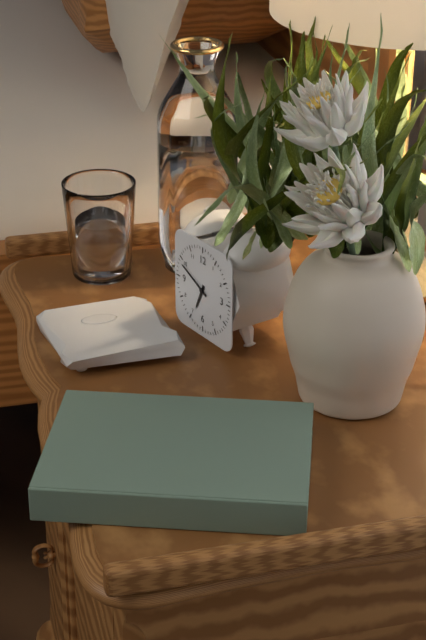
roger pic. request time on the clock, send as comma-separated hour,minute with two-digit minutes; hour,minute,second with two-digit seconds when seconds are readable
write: 6,49
